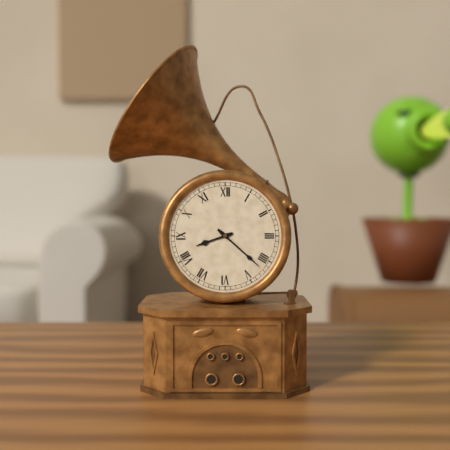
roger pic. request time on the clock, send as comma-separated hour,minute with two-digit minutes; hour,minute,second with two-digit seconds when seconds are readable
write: 8,22
